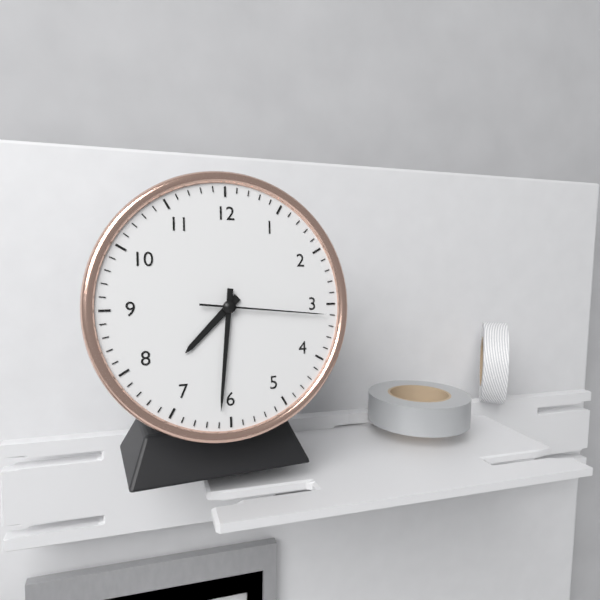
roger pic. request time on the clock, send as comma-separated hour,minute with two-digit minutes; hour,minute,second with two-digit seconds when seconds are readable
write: 7,31,16
